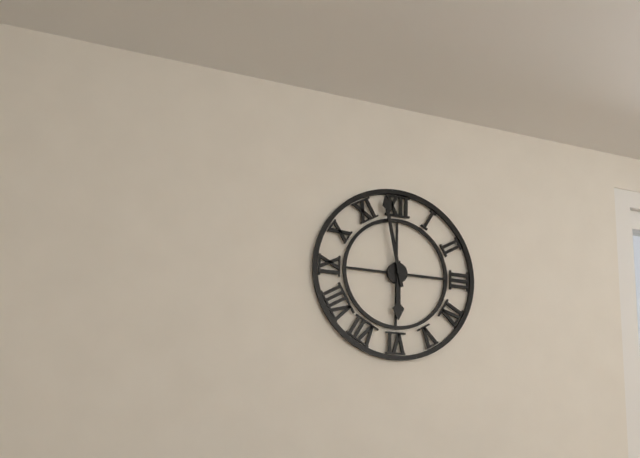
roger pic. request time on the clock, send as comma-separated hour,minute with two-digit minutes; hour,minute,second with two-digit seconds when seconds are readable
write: 5,58
